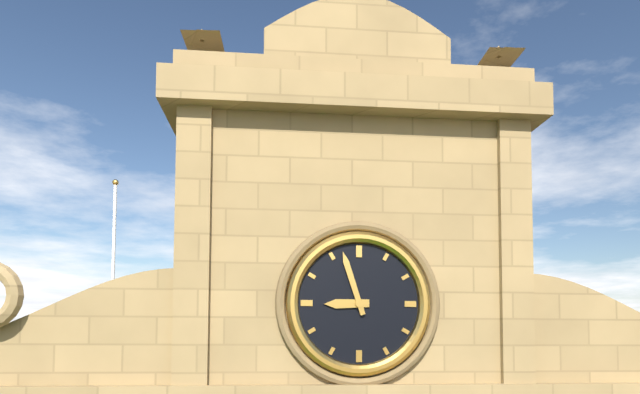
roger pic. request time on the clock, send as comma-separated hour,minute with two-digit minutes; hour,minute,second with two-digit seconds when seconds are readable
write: 8,57
